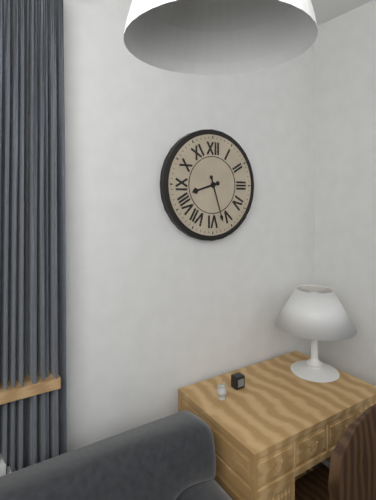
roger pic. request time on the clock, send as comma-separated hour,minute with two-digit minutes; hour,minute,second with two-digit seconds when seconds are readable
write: 8,27
